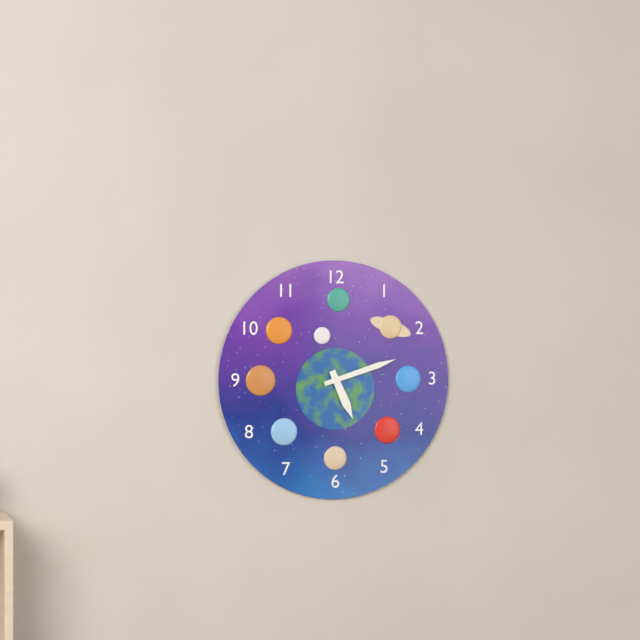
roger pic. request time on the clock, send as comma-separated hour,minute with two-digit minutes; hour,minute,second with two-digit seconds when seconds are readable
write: 5,12
